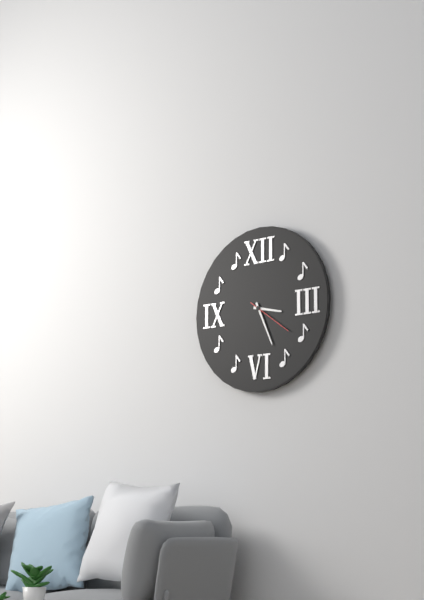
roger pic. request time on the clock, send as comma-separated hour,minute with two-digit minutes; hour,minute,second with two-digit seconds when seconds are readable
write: 3,26
